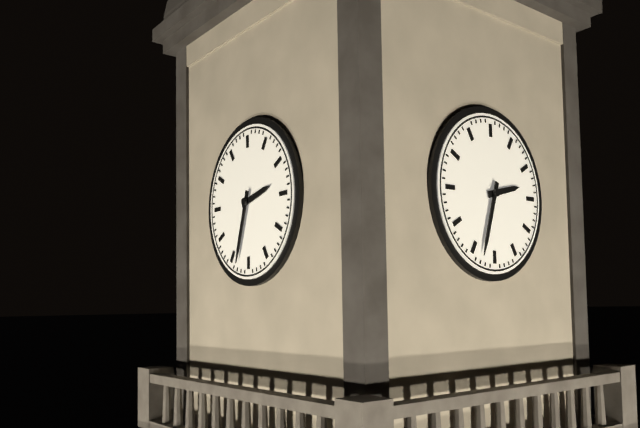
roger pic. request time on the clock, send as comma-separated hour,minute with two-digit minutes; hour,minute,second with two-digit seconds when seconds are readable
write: 2,33
